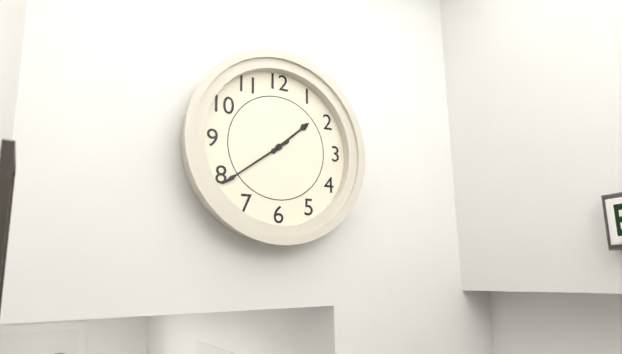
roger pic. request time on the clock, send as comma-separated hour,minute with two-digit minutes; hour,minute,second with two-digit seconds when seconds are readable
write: 1,39
